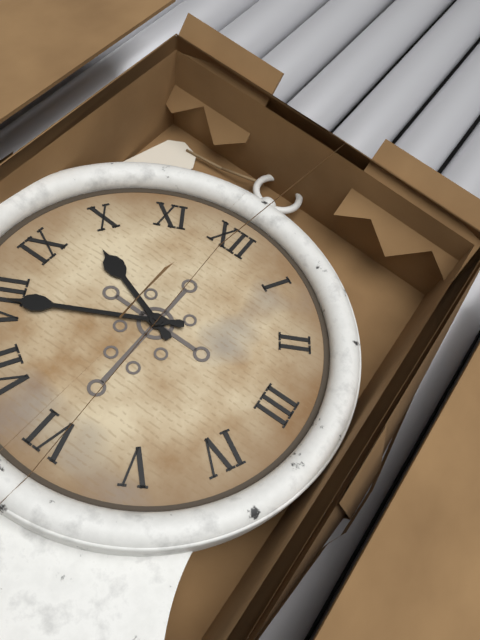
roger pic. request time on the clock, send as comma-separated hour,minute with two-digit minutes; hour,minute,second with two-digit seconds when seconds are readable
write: 9,40
